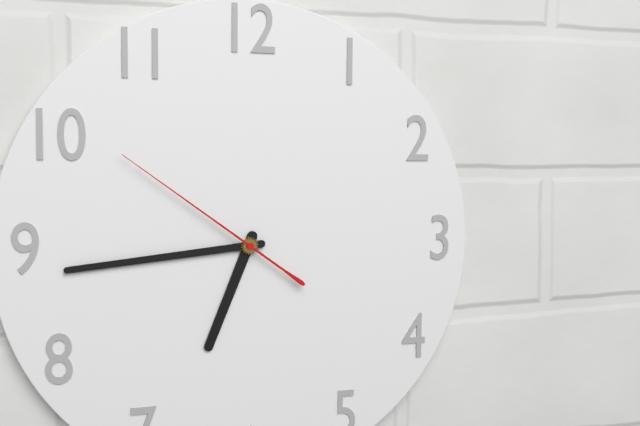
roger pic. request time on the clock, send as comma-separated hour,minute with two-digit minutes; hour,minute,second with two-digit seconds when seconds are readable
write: 6,44,51
